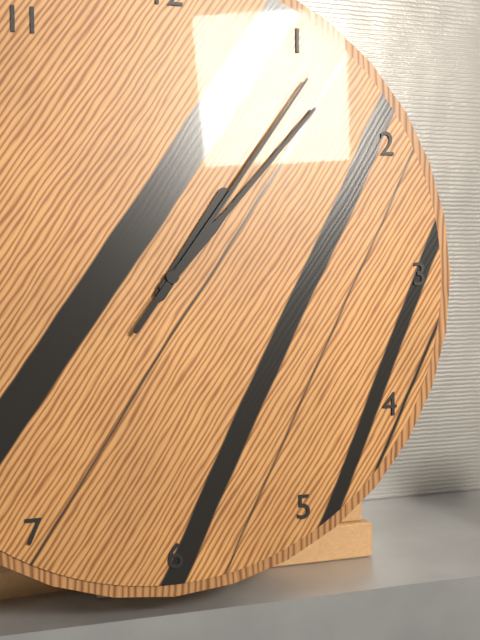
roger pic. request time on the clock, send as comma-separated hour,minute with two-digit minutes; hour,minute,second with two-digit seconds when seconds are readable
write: 1,07,06
